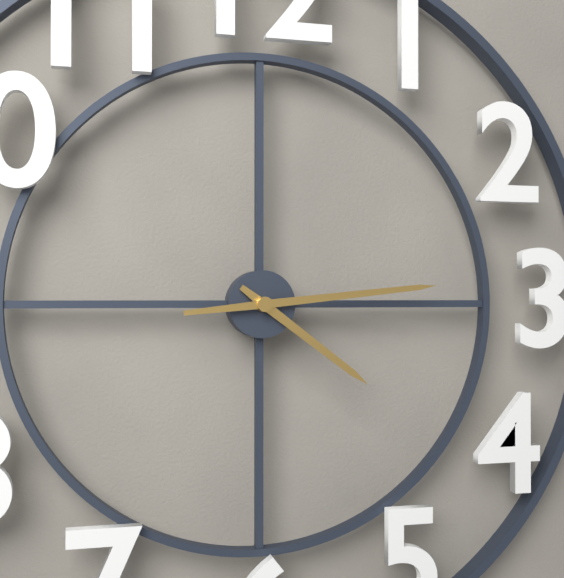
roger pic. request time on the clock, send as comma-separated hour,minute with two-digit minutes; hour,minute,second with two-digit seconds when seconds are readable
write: 4,14
